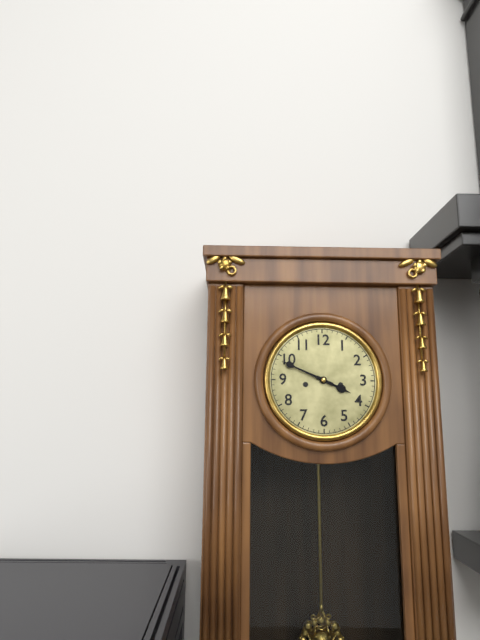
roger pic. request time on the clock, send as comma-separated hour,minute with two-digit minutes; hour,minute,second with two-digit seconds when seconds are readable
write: 3,49
